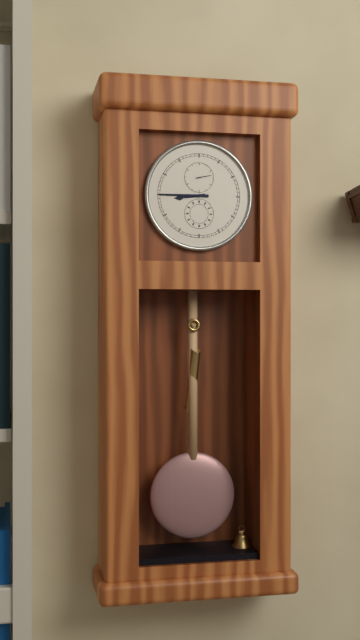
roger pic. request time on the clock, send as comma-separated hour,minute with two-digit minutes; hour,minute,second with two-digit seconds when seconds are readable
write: 8,45
